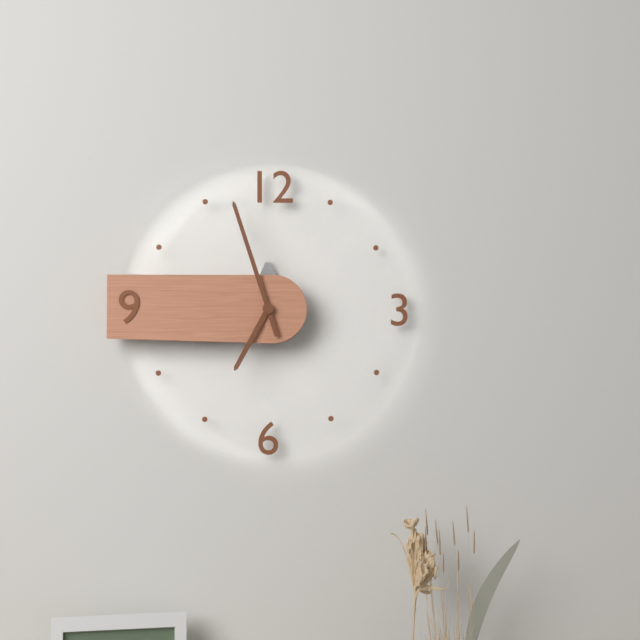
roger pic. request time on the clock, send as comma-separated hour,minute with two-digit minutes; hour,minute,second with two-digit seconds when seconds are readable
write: 6,57
